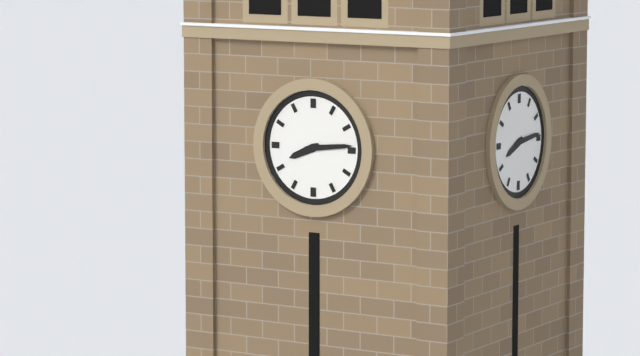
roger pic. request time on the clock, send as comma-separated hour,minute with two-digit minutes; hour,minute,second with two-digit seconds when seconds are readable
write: 8,14
